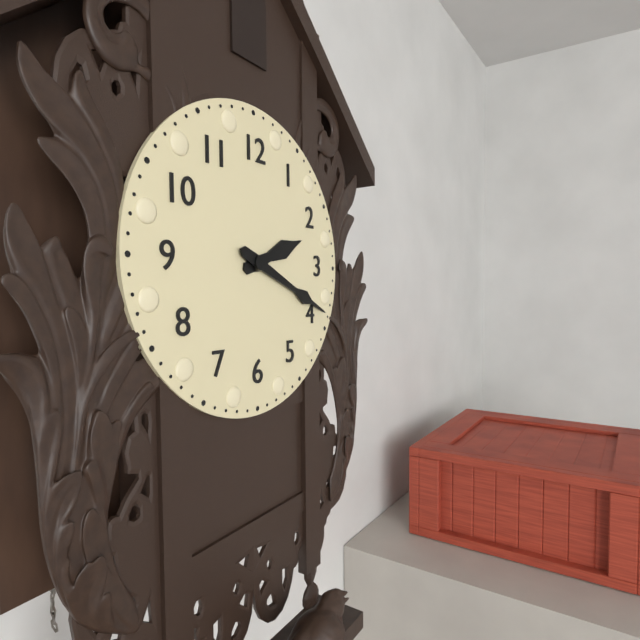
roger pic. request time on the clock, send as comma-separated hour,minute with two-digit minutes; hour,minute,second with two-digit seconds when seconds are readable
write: 2,19
